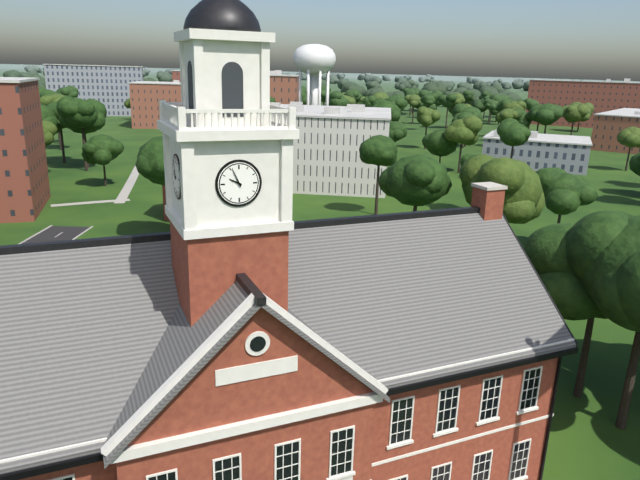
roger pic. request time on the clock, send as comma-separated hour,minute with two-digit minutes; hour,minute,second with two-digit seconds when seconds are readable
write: 9,56
